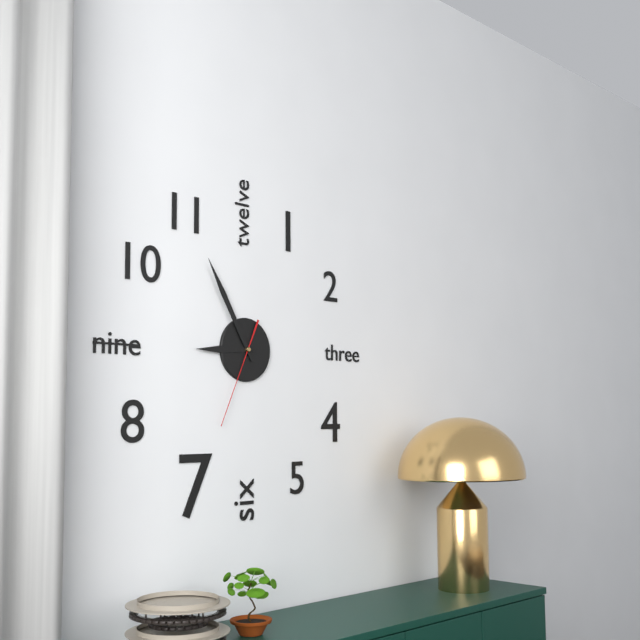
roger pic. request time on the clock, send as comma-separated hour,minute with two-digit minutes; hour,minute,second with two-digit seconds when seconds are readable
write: 8,55,34
